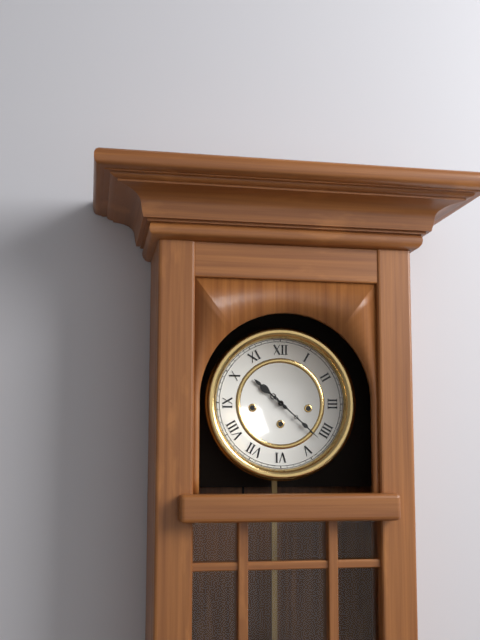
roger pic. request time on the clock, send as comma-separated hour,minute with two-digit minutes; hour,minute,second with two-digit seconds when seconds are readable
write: 10,22
